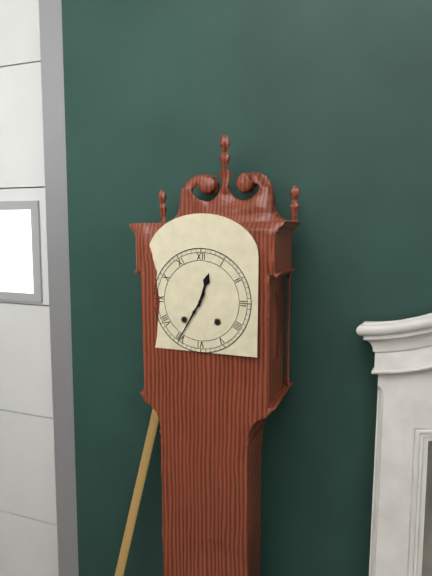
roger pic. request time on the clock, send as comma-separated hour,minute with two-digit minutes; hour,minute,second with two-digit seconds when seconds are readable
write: 12,35
